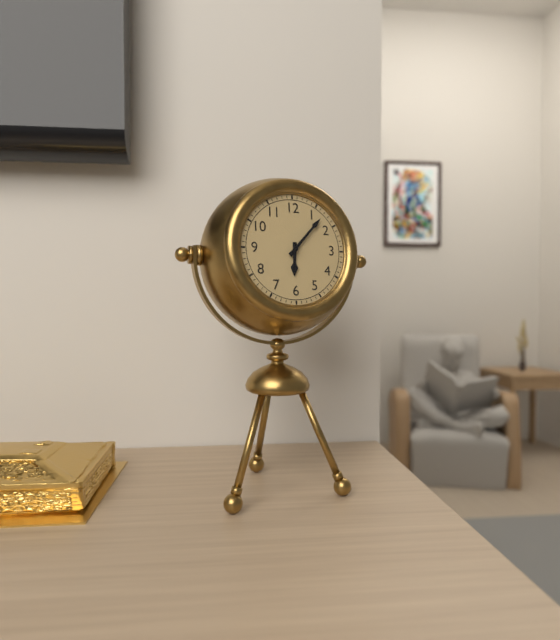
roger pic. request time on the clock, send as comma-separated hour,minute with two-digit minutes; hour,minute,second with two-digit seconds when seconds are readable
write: 6,07
